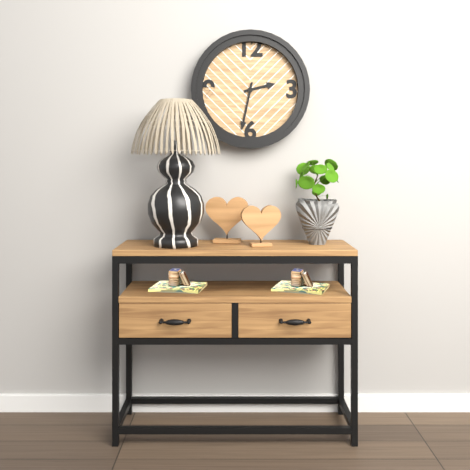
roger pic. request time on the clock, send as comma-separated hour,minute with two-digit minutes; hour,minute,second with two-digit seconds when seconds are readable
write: 2,32
